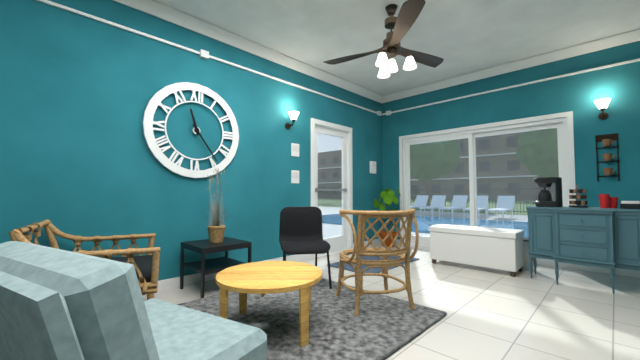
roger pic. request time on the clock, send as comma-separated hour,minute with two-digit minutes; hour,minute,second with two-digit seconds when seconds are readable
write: 11,24
